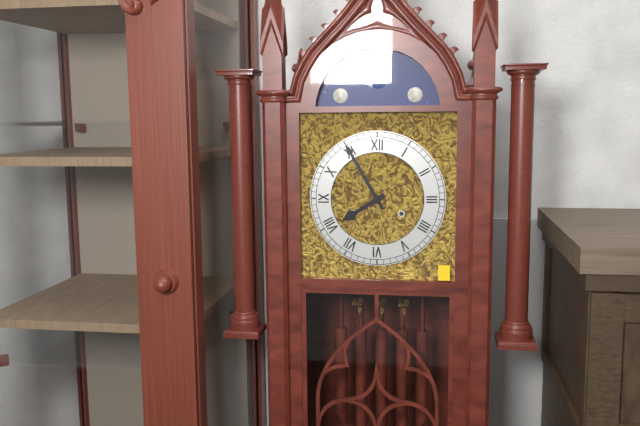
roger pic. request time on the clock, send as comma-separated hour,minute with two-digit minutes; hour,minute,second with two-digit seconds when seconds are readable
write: 7,55
